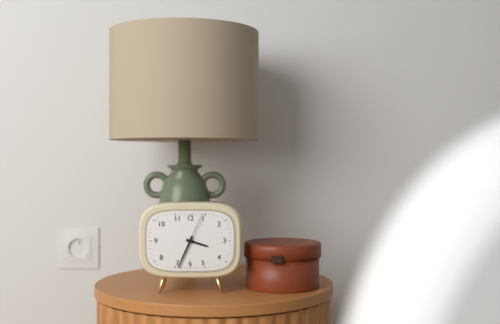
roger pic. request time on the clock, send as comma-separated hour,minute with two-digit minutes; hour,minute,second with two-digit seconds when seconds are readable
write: 3,34
